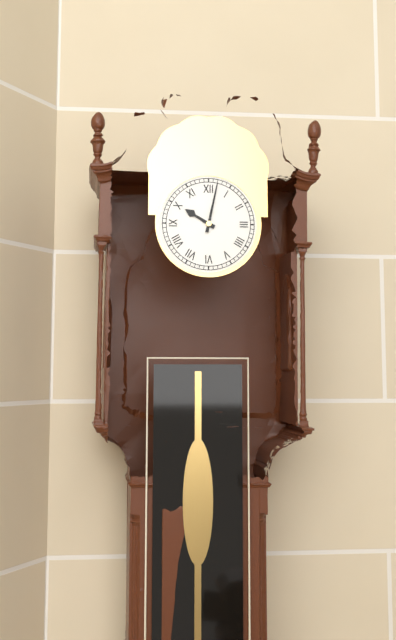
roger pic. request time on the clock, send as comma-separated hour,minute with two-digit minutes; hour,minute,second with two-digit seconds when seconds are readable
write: 10,02
